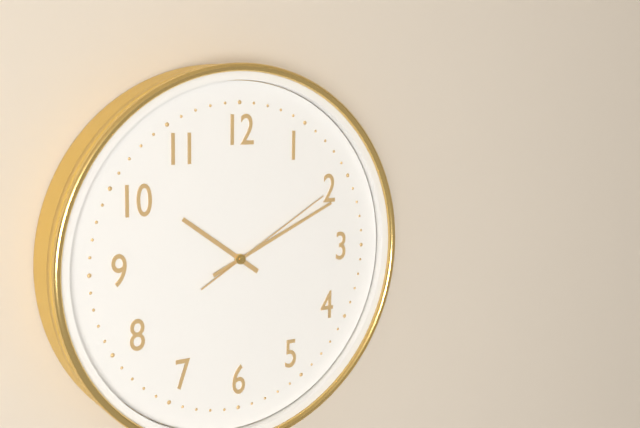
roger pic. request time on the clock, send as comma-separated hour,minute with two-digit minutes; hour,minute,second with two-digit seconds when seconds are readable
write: 10,11,10
